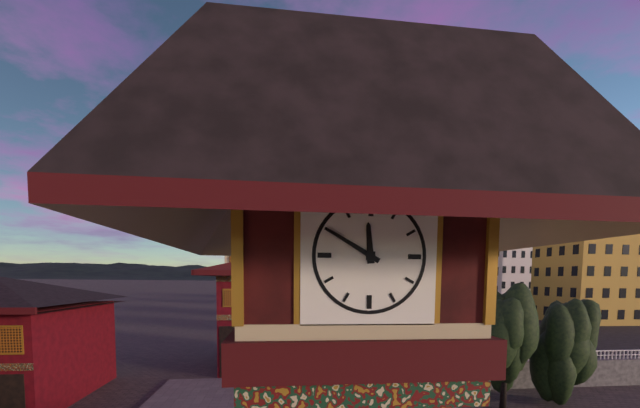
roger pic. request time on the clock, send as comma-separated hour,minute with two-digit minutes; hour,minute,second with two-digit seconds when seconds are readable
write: 11,50
